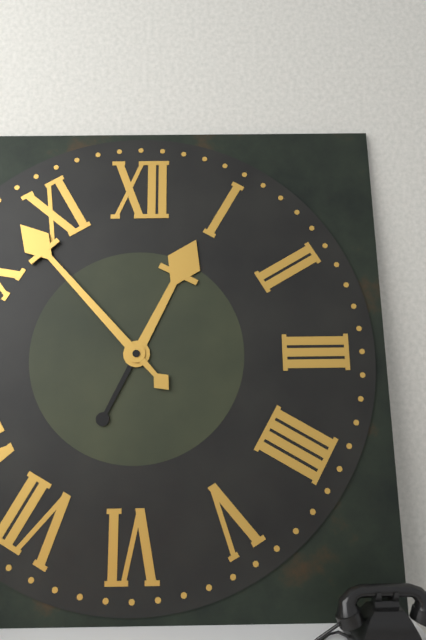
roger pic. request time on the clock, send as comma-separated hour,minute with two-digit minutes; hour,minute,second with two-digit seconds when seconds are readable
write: 12,53
